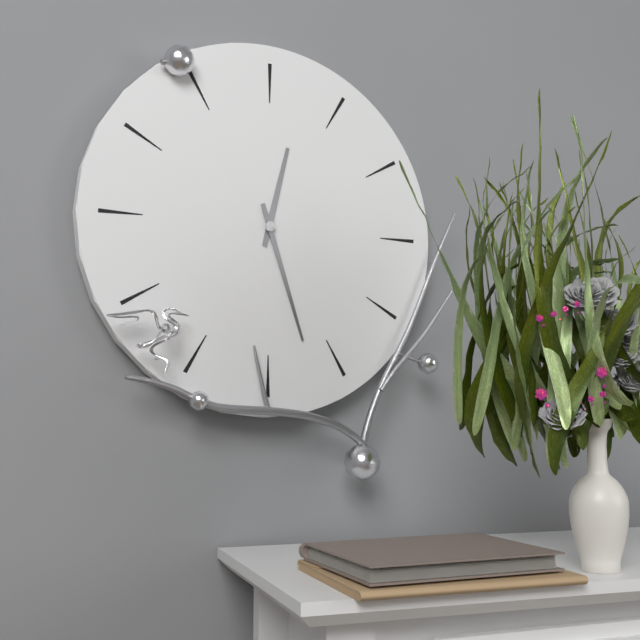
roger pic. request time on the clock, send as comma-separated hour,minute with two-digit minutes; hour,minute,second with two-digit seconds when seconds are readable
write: 12,27
